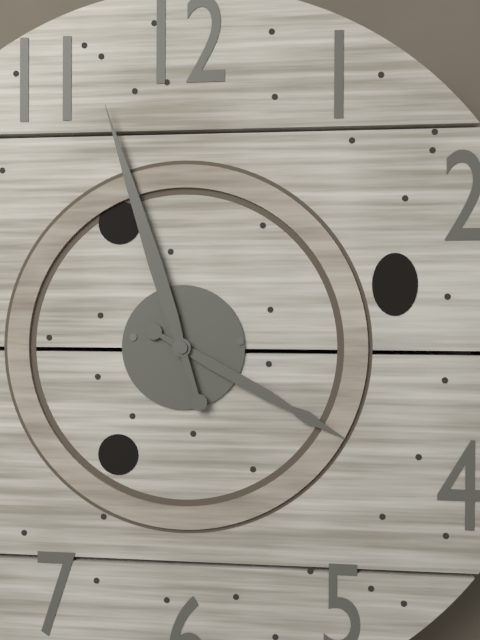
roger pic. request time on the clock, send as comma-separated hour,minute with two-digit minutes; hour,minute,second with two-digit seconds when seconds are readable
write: 3,57
